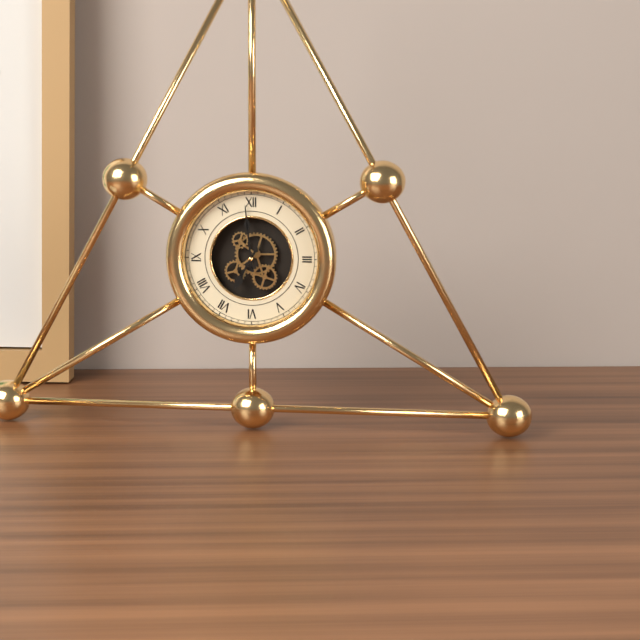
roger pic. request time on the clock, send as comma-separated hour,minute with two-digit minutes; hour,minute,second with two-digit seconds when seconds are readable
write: 6,59
